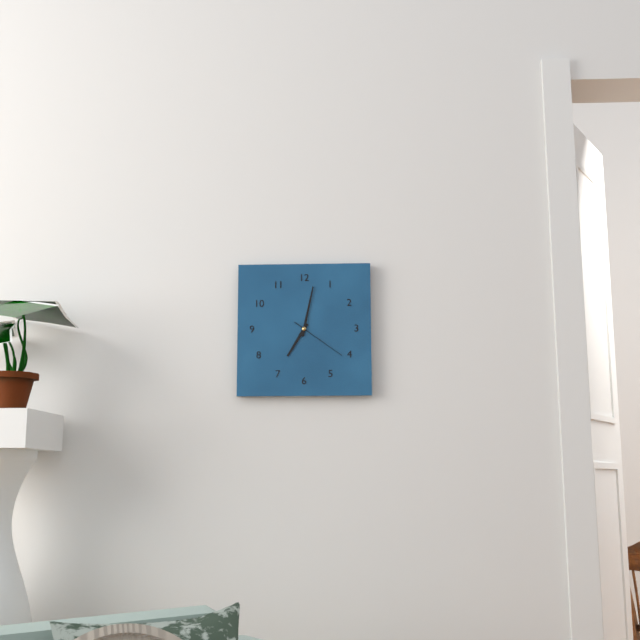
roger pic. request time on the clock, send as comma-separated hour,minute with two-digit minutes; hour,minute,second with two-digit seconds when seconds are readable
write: 7,02,21
